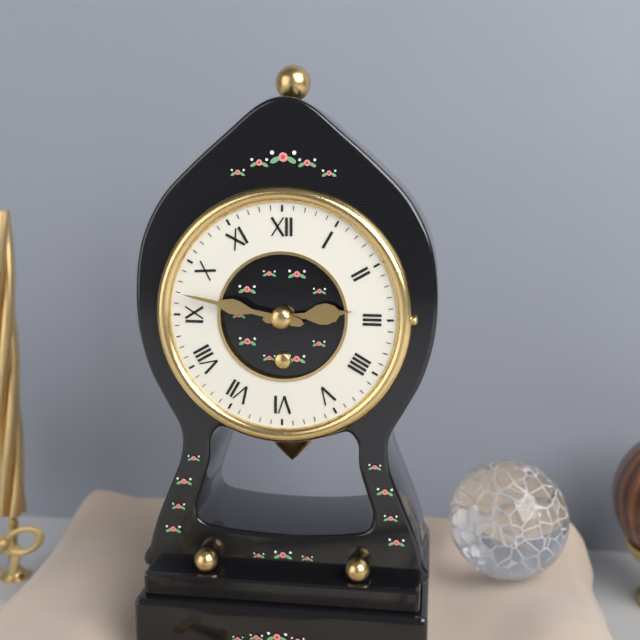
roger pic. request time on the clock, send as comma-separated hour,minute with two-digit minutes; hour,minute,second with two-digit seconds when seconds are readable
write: 2,47
